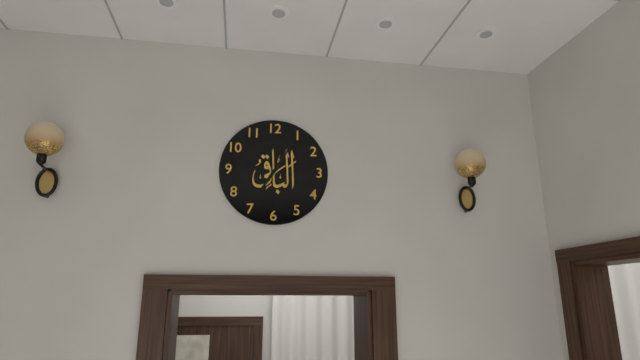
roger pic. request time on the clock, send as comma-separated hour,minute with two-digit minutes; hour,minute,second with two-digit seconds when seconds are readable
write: 7,05
